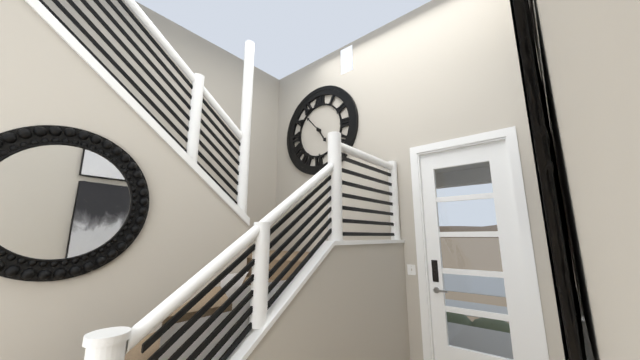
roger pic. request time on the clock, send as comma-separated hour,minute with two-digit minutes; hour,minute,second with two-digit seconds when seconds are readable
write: 4,53
